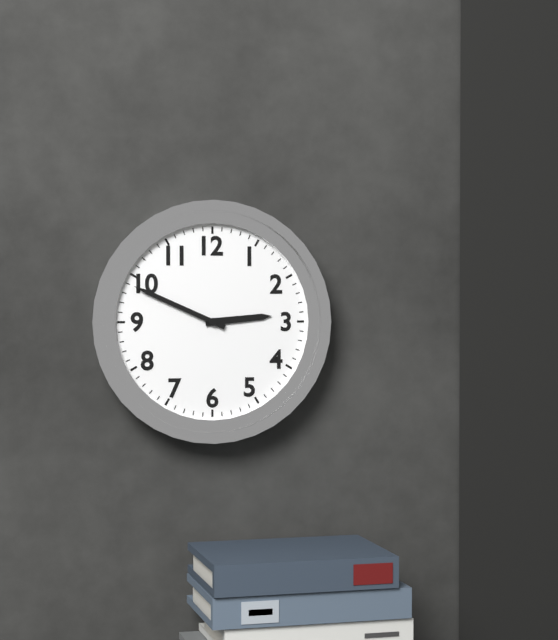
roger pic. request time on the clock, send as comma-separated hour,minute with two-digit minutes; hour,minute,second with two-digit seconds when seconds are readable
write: 2,49
